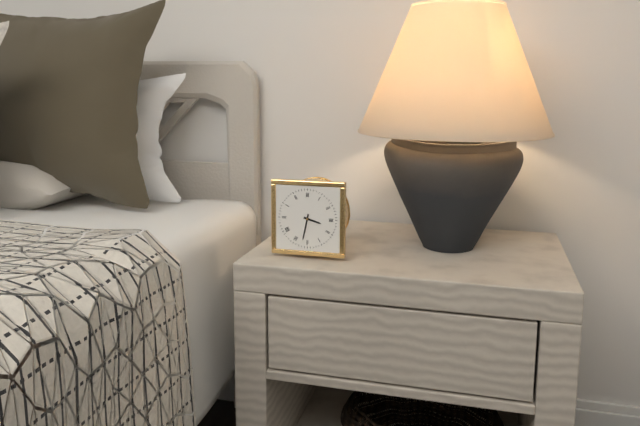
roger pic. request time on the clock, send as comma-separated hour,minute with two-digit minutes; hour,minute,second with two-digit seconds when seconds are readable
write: 3,32
